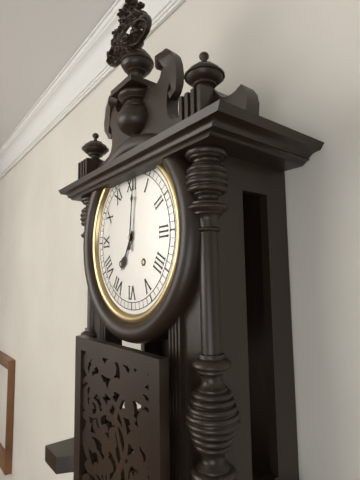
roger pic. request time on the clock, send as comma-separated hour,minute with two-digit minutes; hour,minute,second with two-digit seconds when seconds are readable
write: 7,01
